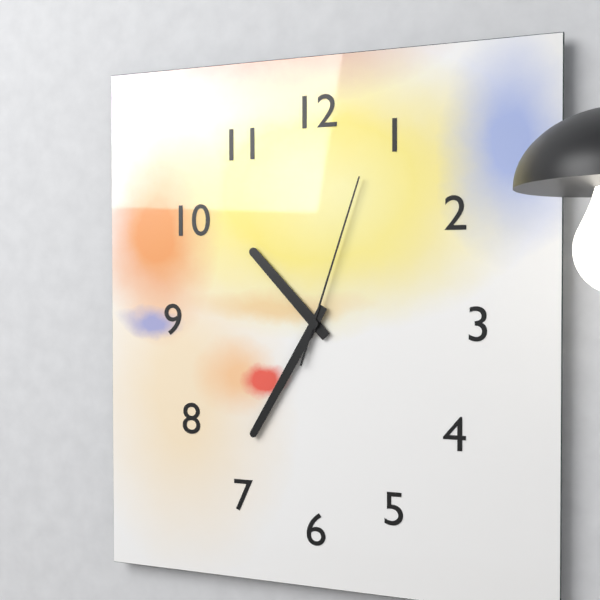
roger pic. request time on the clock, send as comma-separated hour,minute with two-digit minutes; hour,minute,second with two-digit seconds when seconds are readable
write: 10,35,03
